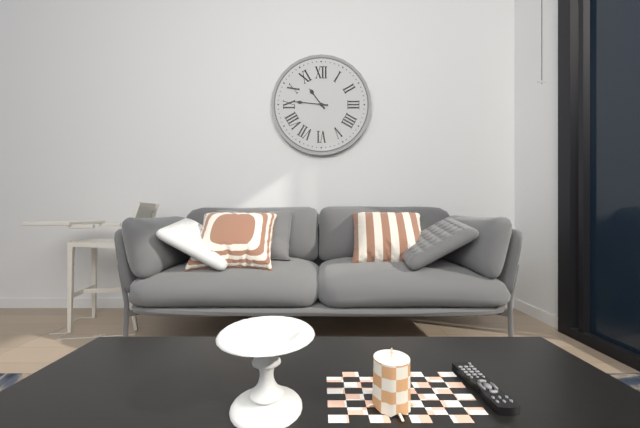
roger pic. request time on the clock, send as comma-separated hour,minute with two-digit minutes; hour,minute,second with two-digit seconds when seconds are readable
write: 10,46
